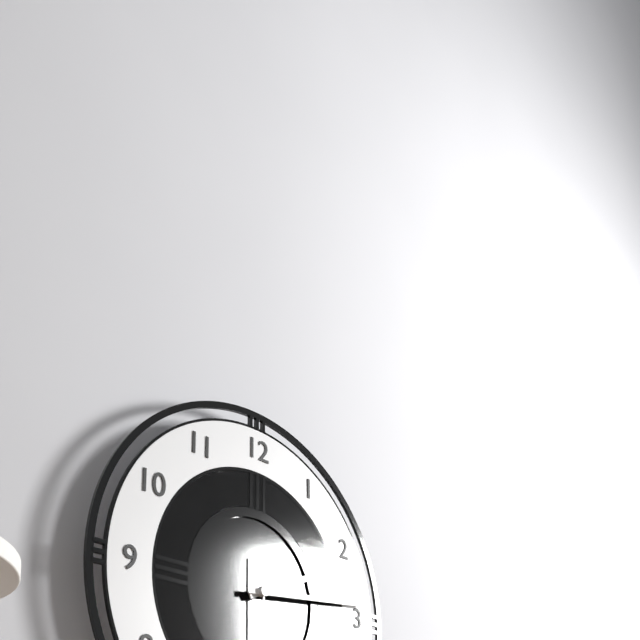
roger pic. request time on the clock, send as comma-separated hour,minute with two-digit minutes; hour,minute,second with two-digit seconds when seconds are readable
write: 2,14
